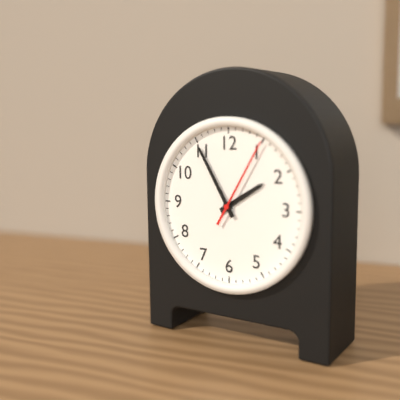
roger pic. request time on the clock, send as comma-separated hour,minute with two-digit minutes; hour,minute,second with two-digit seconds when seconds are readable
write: 1,55,05
